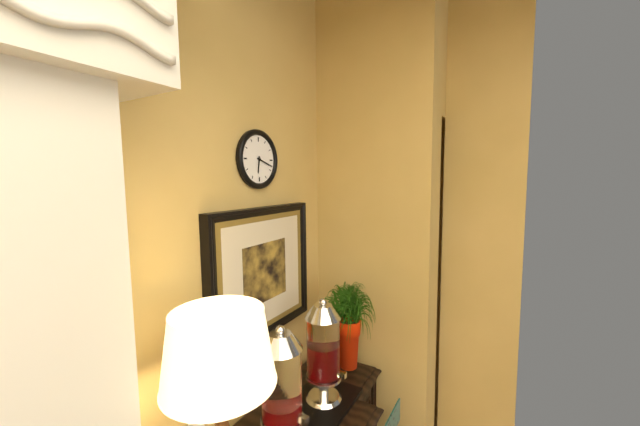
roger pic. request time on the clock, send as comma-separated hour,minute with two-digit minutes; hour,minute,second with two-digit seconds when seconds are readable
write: 6,18
